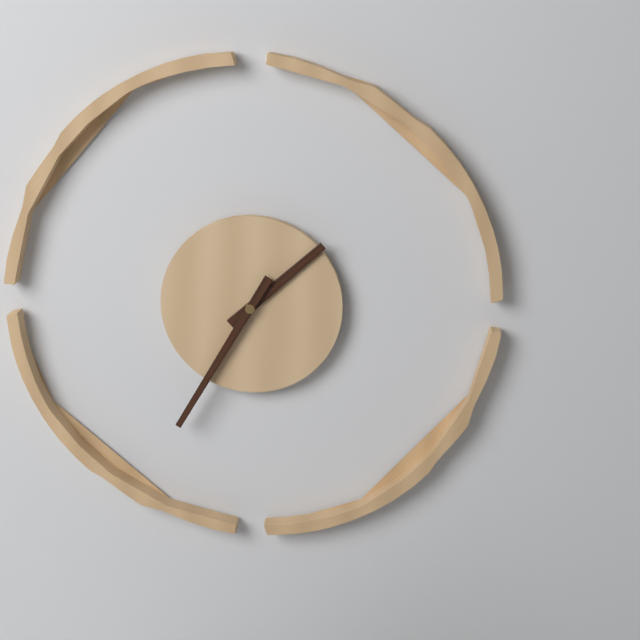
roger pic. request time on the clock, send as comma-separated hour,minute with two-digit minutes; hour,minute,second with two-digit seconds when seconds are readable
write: 1,35
